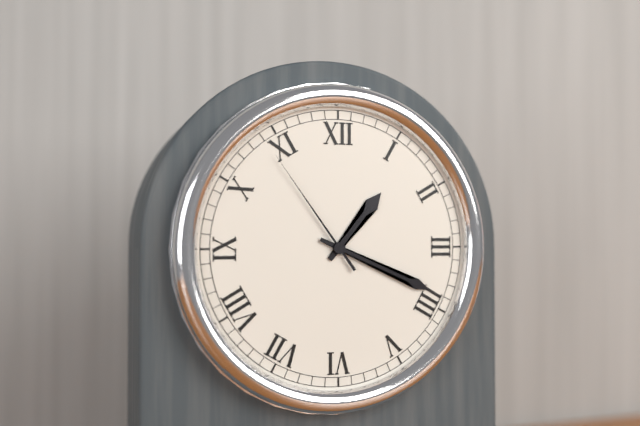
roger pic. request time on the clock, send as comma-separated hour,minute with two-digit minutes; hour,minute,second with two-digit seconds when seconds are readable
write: 1,19,54
